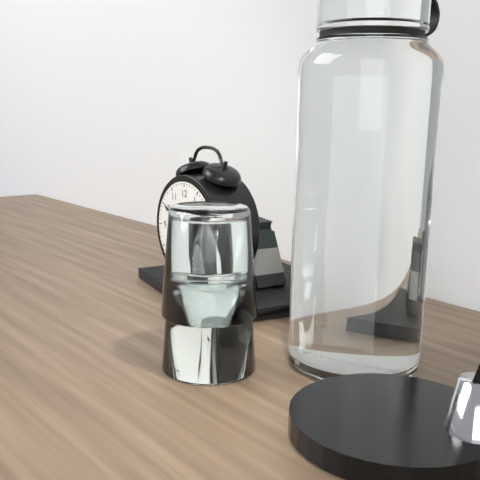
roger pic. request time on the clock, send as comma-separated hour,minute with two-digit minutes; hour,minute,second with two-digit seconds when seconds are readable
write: 11,50
